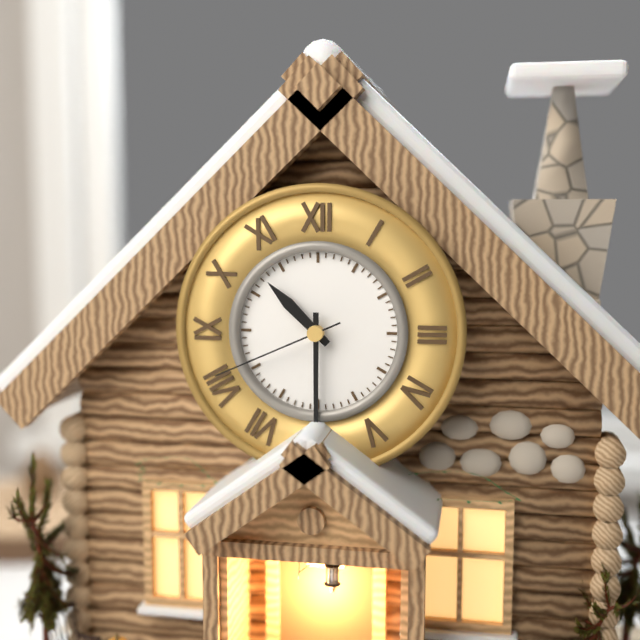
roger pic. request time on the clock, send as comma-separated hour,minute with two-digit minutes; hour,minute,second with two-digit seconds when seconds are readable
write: 10,30,41
